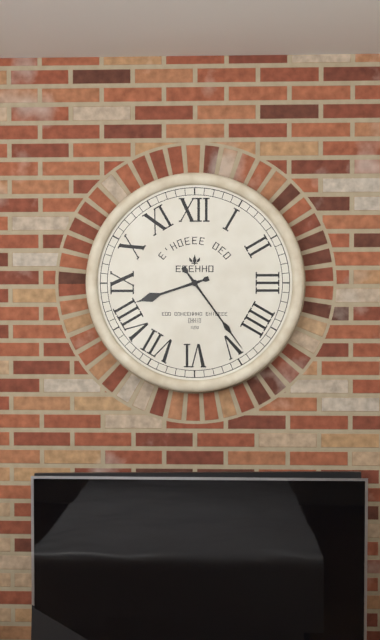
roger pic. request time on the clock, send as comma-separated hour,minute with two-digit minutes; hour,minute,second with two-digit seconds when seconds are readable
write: 8,24
